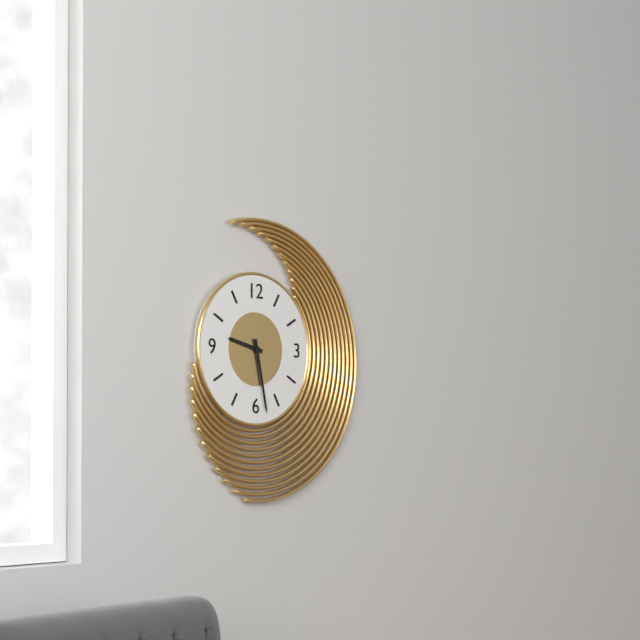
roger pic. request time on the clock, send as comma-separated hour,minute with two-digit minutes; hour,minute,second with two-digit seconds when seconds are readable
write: 9,28
